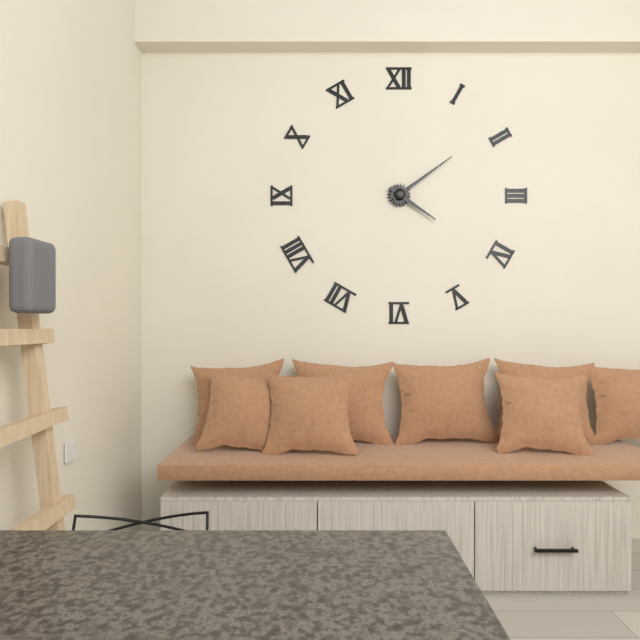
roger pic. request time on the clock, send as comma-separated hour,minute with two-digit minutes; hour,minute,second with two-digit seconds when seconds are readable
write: 4,09
